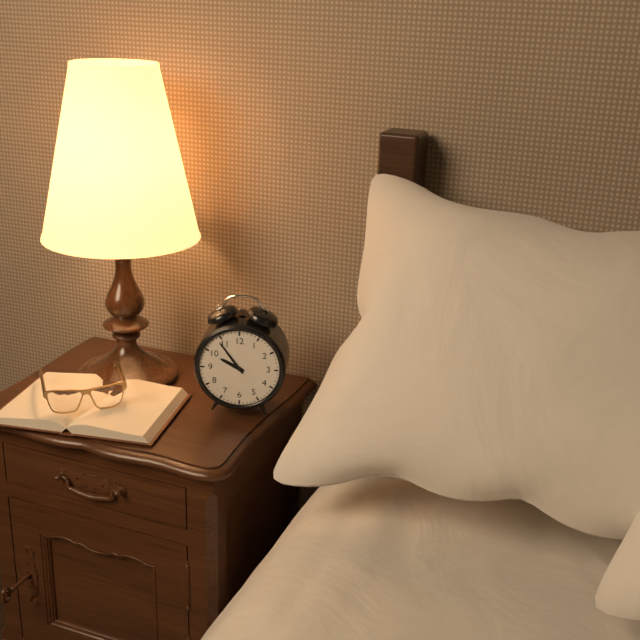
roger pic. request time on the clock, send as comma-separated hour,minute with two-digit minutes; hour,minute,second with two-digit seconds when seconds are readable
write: 9,54
